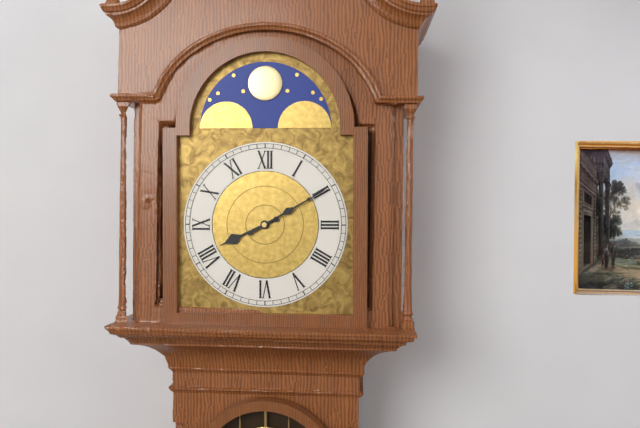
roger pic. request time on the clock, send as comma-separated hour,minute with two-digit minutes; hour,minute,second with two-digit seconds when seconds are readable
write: 8,10
